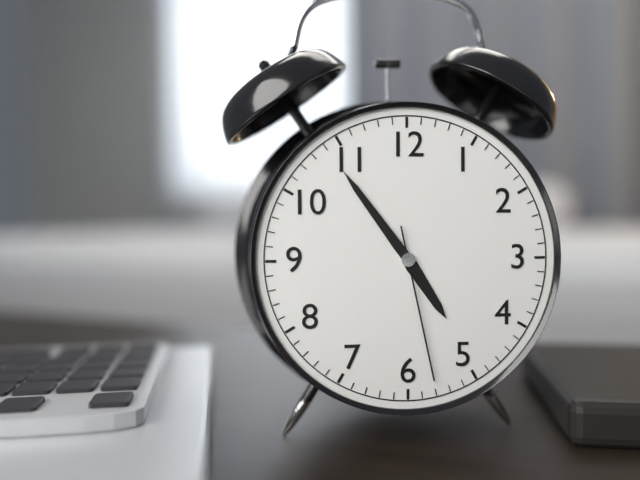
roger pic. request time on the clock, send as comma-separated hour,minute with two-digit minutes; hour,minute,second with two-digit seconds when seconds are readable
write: 4,54,28
